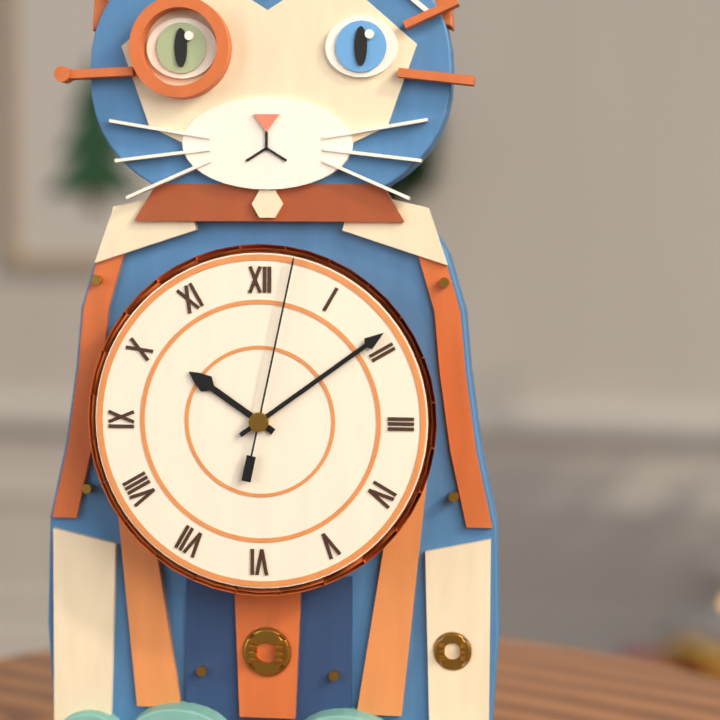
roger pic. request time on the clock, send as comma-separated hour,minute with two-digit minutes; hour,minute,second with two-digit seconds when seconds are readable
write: 10,09,02
